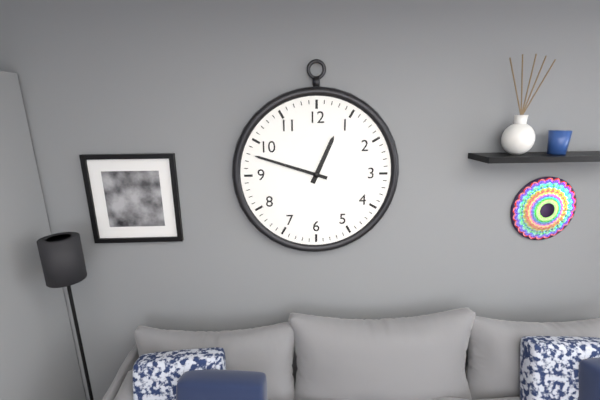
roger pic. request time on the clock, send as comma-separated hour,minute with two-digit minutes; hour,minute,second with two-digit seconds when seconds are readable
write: 12,48
